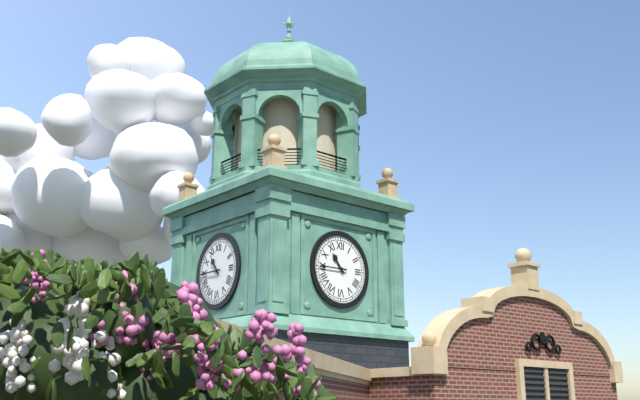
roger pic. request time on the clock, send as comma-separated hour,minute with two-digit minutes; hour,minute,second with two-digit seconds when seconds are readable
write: 10,45
